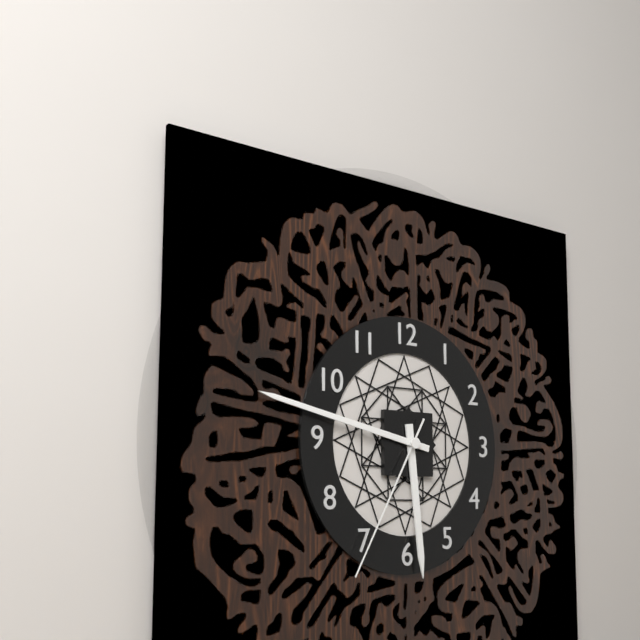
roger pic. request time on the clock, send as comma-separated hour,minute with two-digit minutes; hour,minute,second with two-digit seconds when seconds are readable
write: 5,47,35
